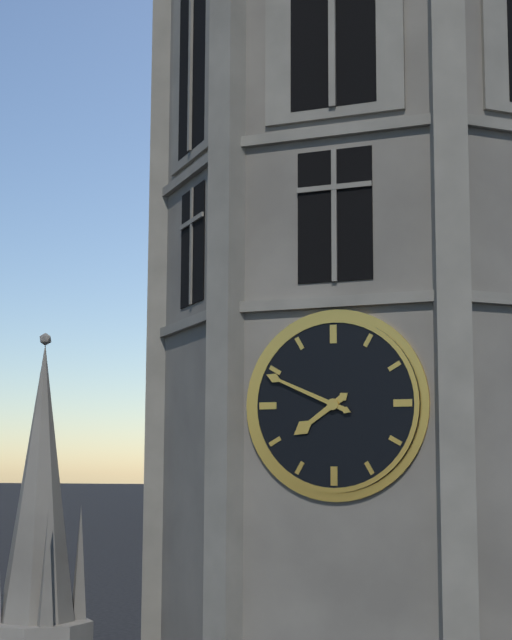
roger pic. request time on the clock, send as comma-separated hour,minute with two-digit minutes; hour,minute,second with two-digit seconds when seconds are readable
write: 7,49
